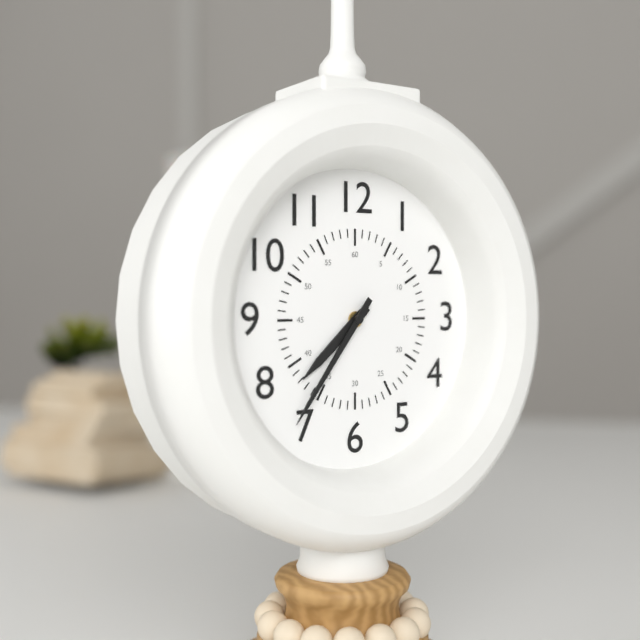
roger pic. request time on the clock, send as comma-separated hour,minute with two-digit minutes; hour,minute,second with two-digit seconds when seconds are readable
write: 7,36
